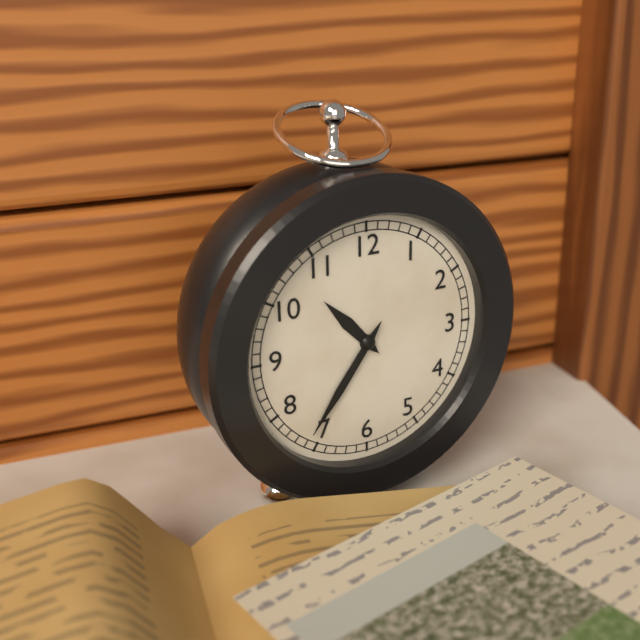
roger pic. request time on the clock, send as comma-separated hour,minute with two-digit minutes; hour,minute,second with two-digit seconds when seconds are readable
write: 10,36
